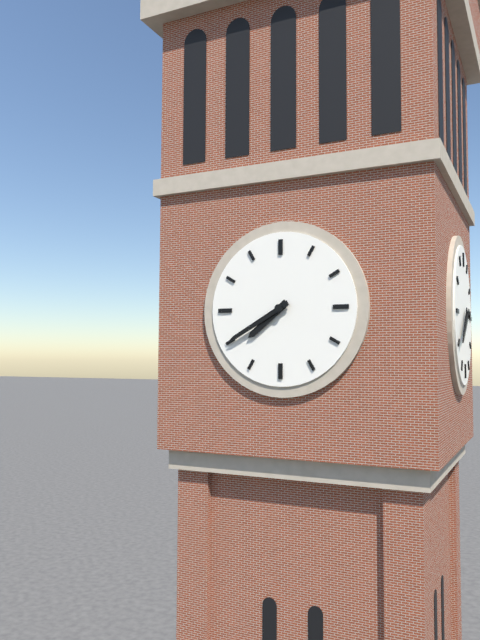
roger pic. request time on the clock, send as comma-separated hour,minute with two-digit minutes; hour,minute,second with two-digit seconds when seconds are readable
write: 7,40
